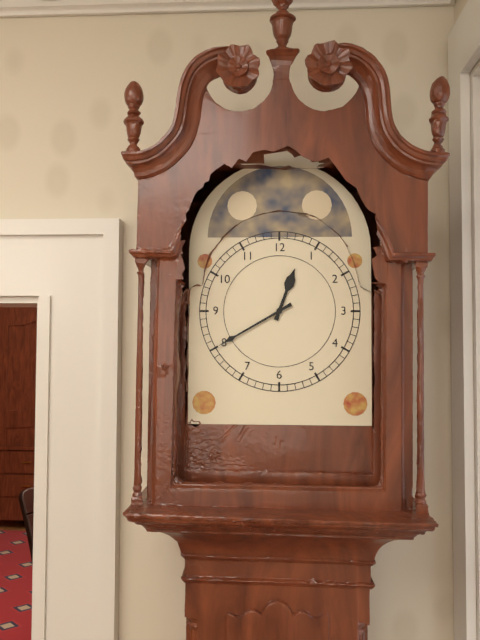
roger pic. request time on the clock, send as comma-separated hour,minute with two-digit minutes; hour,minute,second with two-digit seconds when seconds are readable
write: 12,40
